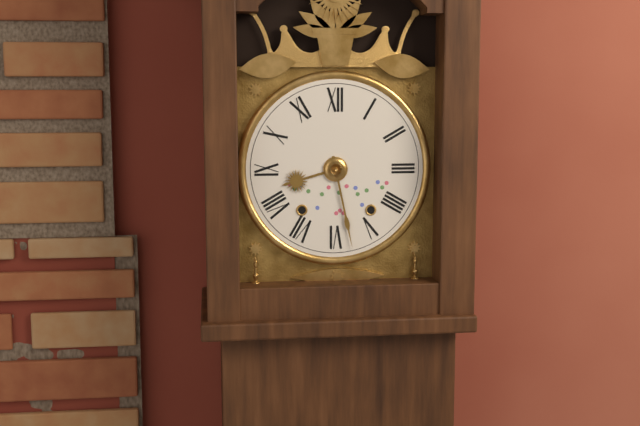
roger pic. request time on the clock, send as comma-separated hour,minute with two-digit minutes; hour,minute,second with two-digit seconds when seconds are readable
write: 8,28
